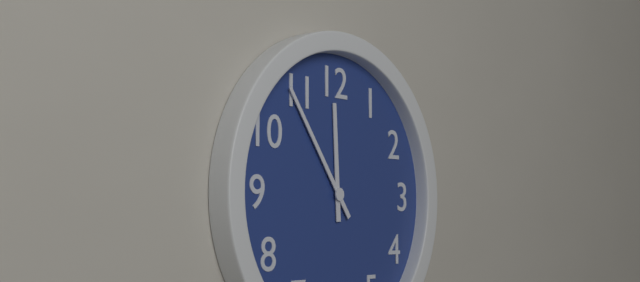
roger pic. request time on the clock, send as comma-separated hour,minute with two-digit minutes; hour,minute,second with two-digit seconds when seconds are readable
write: 11,54
